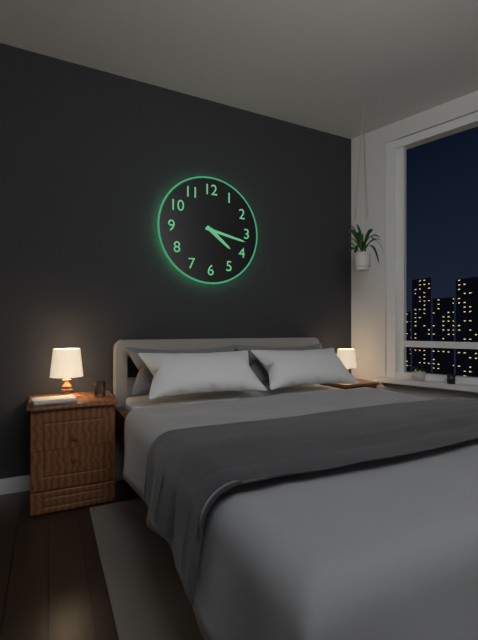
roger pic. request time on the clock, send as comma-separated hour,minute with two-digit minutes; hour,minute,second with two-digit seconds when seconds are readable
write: 4,17
